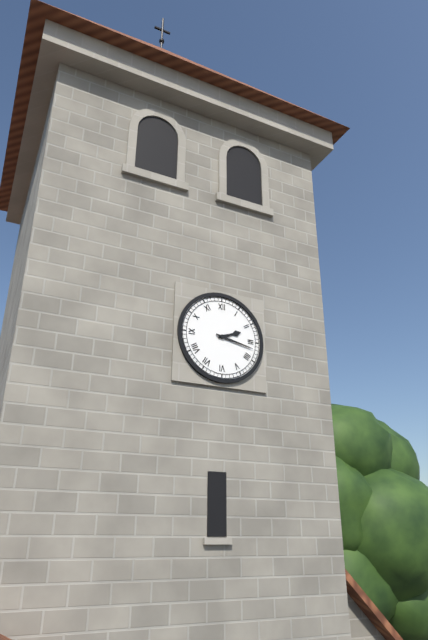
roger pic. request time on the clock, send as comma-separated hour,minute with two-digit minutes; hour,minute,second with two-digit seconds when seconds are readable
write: 2,17
